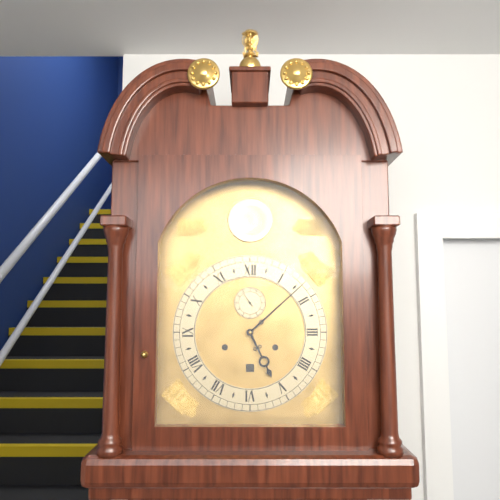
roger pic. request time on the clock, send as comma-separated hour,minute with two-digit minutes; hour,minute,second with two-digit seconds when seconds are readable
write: 5,08
